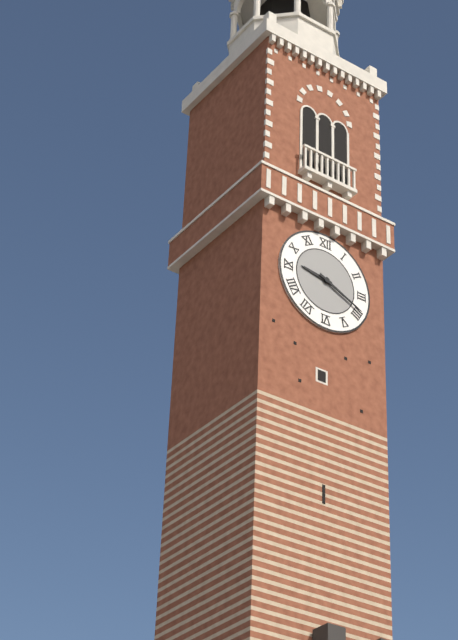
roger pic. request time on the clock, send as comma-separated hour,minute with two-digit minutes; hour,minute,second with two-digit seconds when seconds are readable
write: 9,19
